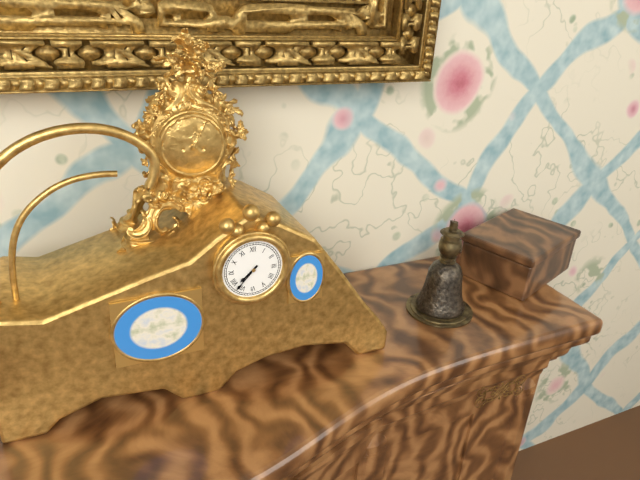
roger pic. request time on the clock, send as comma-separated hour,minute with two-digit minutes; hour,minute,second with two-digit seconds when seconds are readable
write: 7,37
